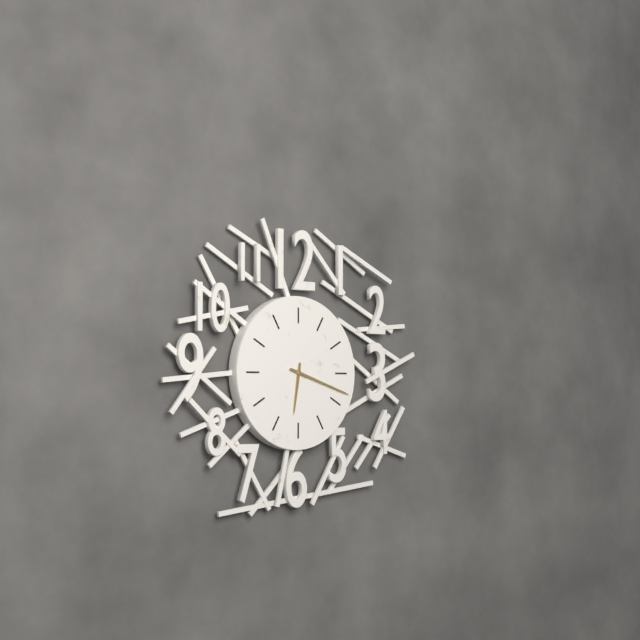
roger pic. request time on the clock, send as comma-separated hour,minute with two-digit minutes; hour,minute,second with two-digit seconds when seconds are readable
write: 6,18
